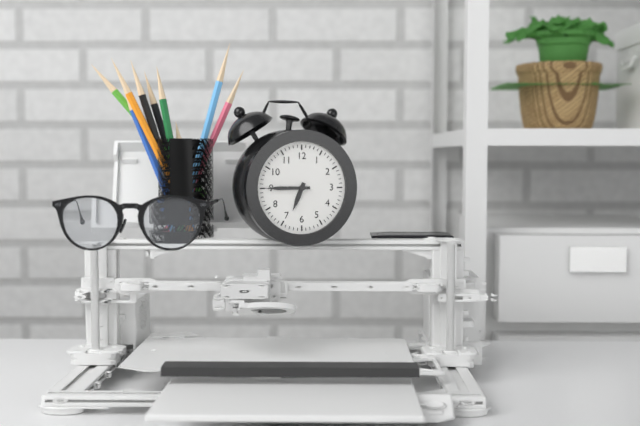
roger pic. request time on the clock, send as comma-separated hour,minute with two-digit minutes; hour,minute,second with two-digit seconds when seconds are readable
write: 6,45
